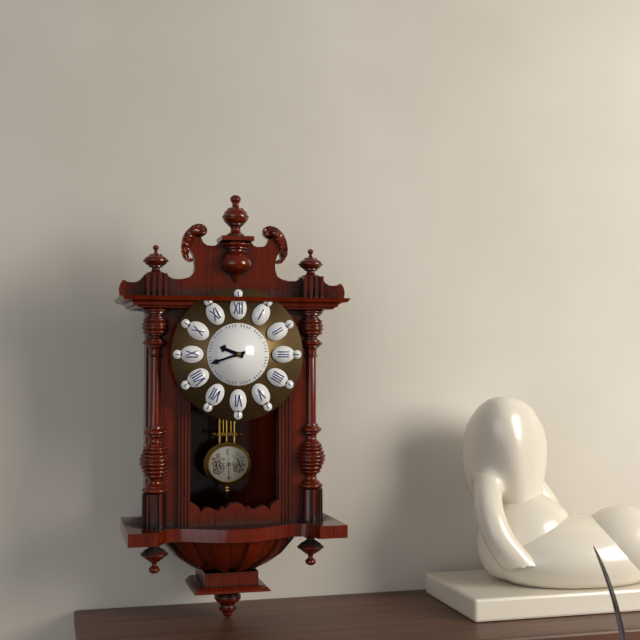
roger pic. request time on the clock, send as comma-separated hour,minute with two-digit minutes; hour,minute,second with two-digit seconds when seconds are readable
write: 9,42
